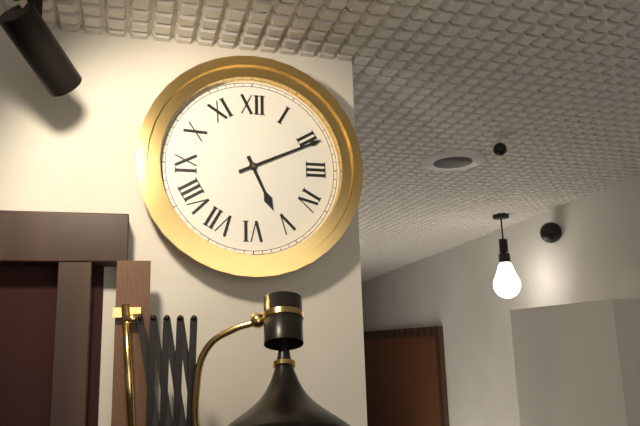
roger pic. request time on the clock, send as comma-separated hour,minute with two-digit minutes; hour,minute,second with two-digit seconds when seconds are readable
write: 5,11
